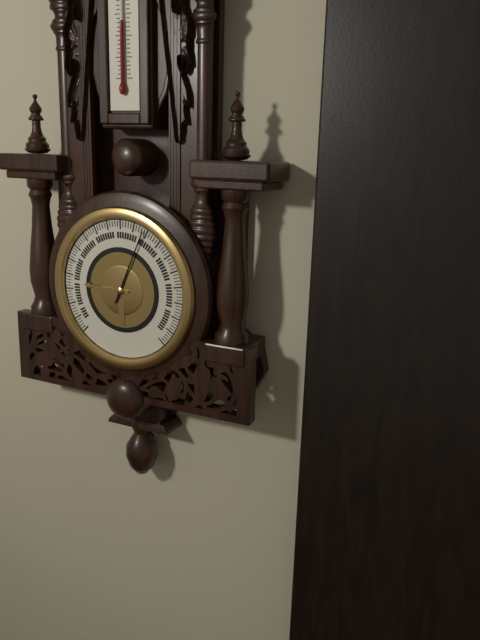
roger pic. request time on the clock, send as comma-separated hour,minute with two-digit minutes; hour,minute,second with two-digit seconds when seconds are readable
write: 9,04
